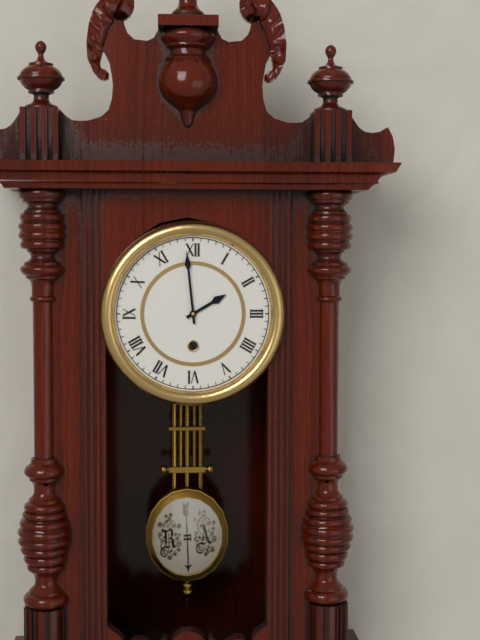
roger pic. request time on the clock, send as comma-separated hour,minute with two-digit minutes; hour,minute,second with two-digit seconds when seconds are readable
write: 1,59
